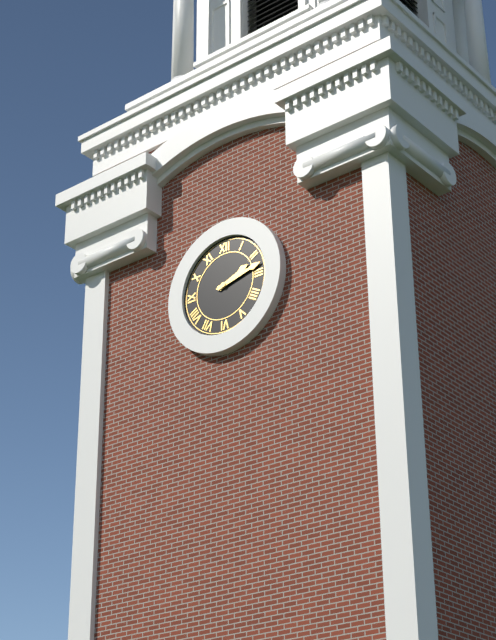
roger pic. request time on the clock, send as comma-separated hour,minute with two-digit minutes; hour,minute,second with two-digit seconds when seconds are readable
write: 2,13
